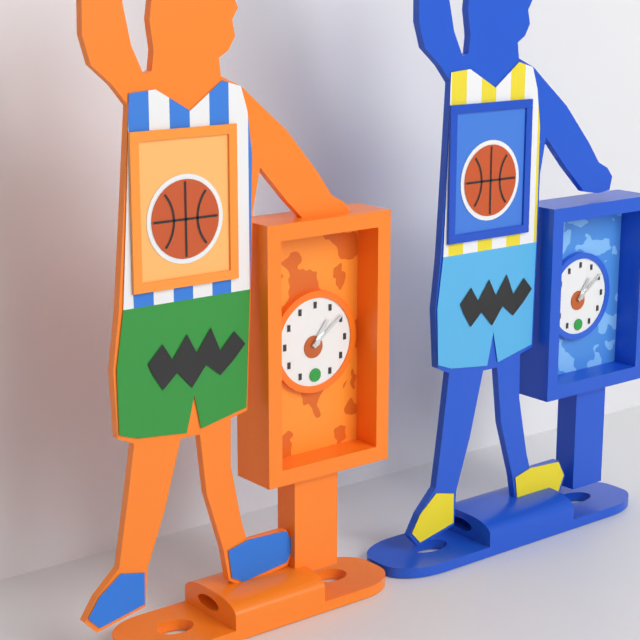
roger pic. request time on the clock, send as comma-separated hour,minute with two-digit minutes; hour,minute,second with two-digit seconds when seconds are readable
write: 1,09
